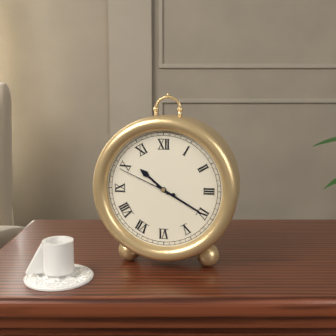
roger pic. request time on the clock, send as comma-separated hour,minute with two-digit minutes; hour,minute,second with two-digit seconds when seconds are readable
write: 10,20,49
